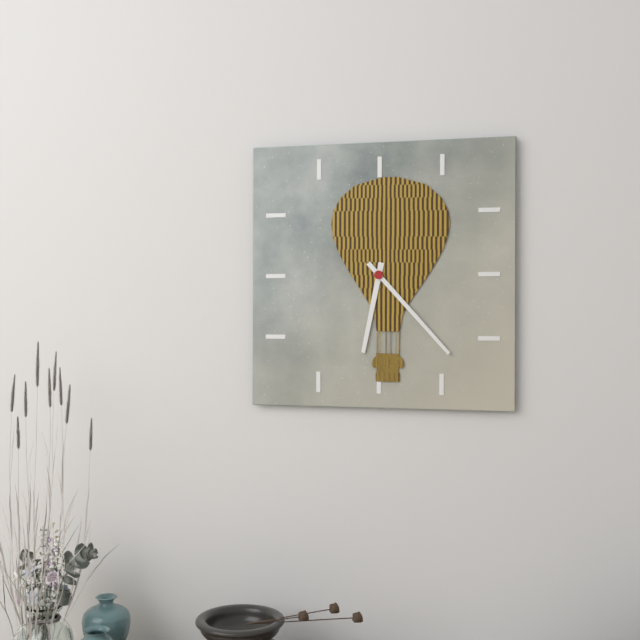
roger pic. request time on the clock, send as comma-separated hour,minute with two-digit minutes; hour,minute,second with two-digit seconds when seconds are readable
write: 6,23
